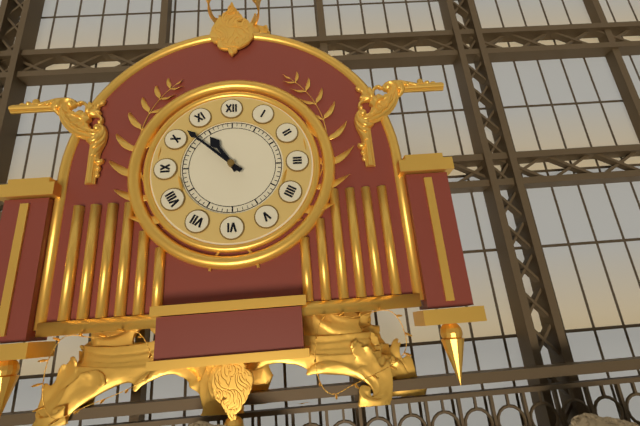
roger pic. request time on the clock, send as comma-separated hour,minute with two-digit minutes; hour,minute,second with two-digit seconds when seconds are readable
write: 10,52
